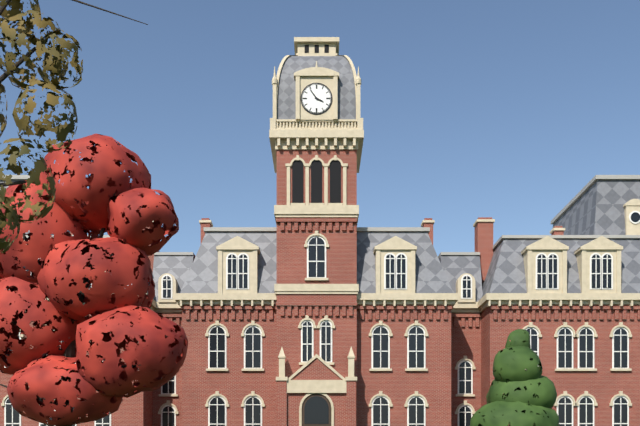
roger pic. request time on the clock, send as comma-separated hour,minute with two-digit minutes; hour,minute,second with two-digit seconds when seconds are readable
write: 3,54
